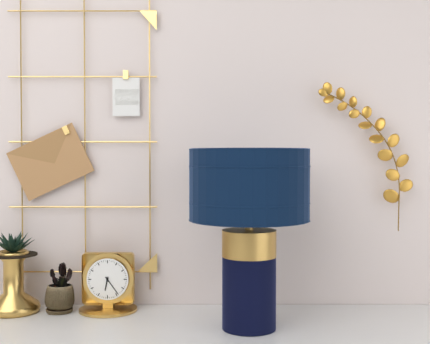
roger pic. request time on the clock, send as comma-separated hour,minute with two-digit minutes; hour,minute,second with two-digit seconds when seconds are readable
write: 6,24
